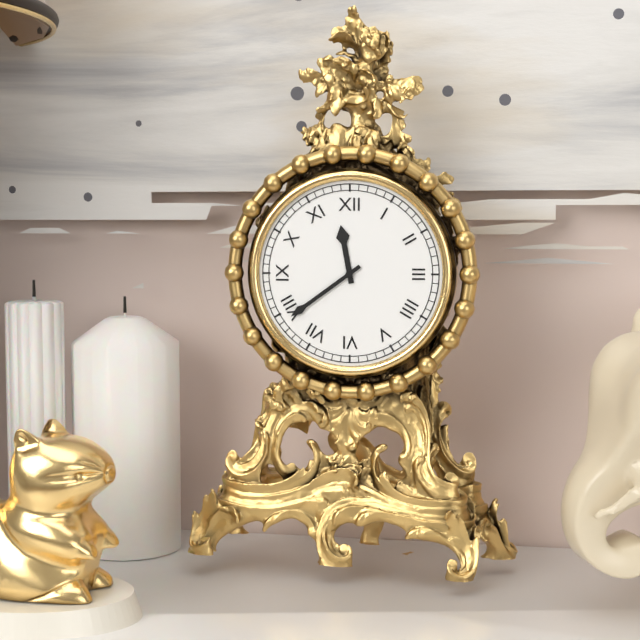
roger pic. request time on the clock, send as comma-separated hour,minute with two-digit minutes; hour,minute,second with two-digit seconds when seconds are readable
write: 11,39
